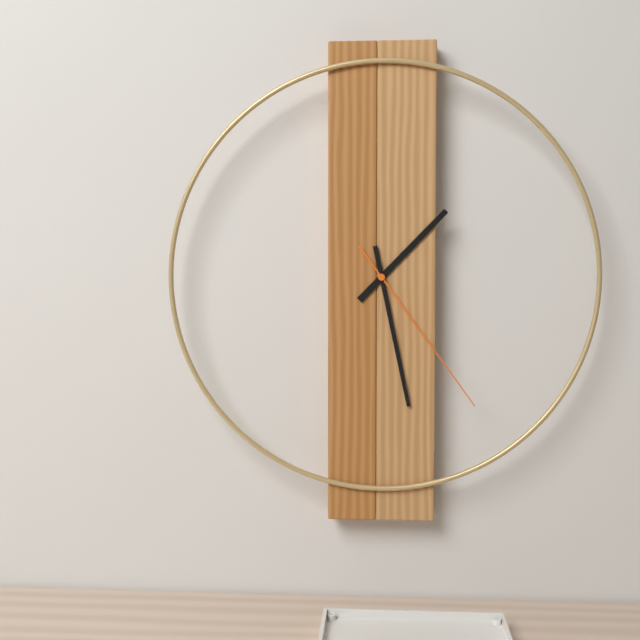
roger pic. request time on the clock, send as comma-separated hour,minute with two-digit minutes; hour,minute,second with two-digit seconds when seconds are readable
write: 1,28,24
